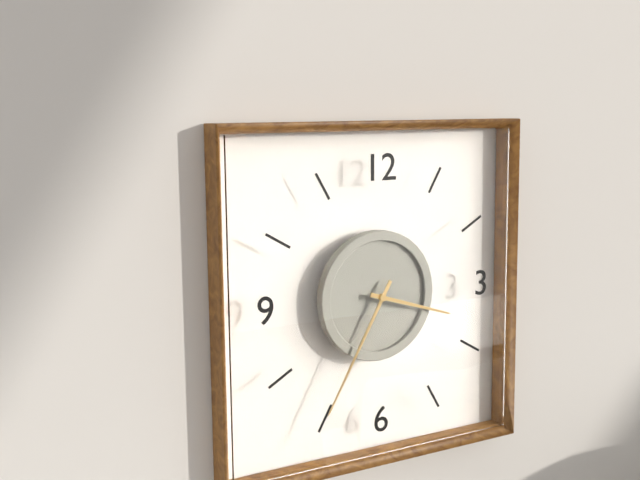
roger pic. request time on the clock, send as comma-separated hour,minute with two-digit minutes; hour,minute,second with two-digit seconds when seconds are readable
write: 3,35
